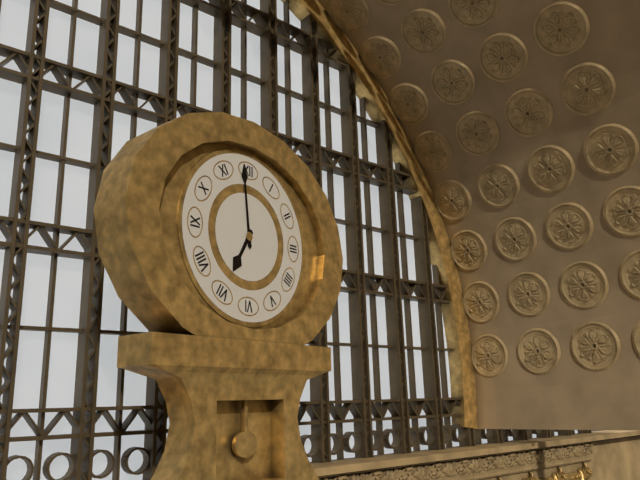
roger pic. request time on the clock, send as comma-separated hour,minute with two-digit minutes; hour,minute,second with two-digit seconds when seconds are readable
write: 6,59
